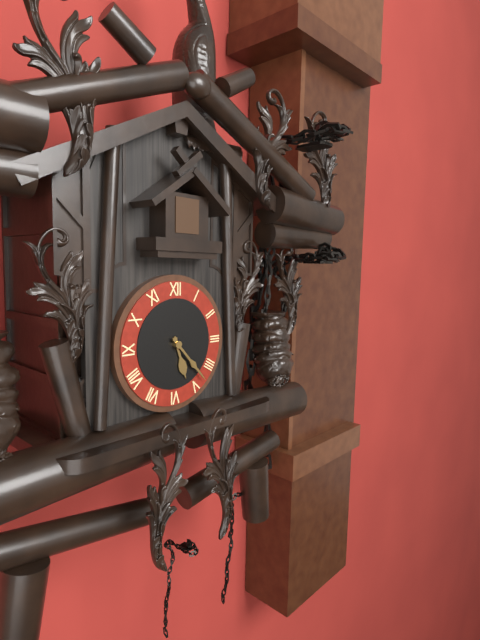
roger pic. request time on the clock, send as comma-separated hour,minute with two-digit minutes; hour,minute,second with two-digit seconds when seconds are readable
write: 5,23
